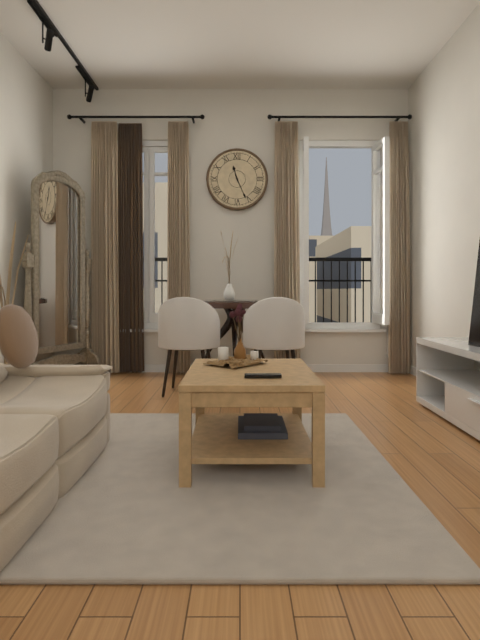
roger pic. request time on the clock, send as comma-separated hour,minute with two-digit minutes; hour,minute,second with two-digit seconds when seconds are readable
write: 11,26
